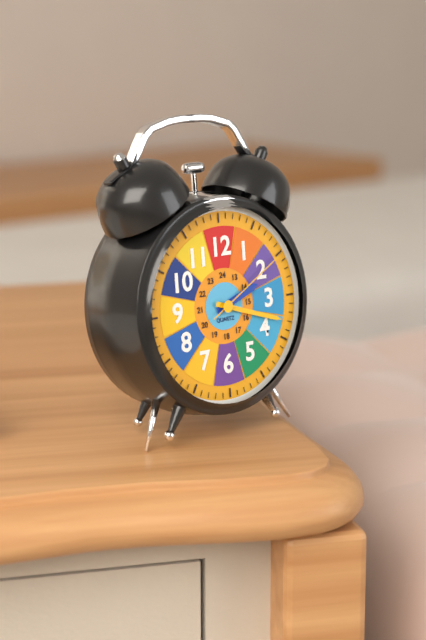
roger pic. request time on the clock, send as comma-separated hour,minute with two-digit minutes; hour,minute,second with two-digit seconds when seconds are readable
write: 2,18,10
